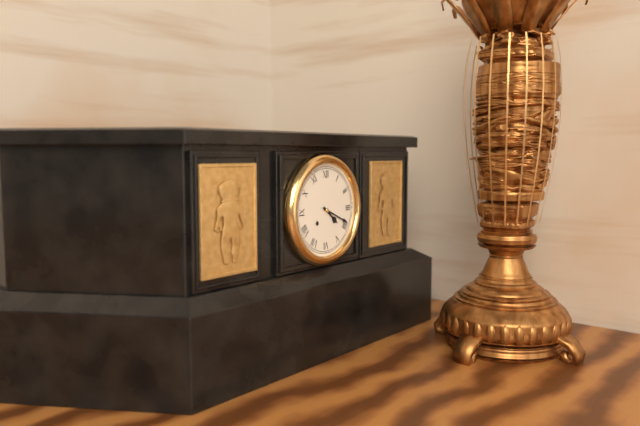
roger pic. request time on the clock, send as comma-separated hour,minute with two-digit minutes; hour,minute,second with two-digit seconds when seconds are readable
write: 4,19
